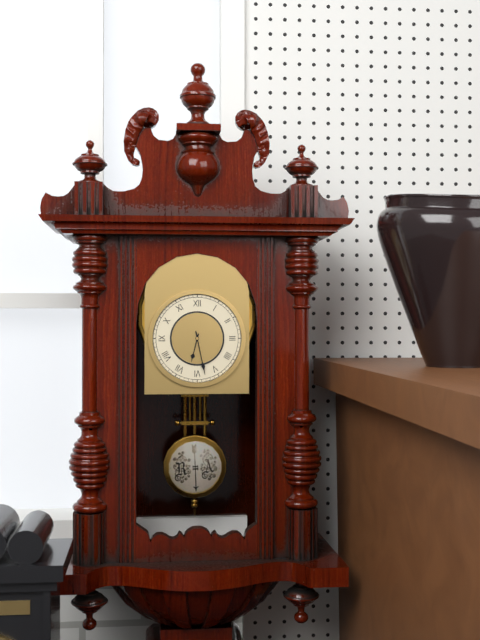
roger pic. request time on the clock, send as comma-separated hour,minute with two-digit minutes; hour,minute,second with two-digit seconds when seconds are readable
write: 6,28
